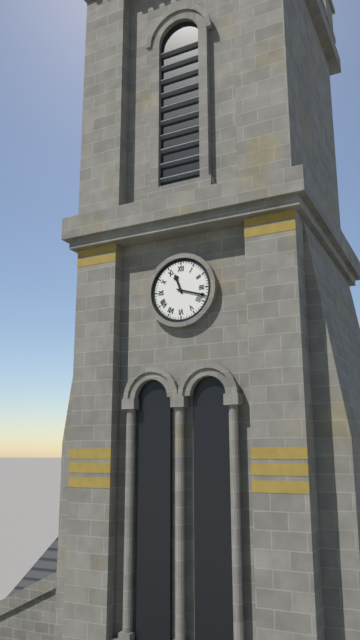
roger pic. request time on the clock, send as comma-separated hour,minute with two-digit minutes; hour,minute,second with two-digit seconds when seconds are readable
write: 11,18
